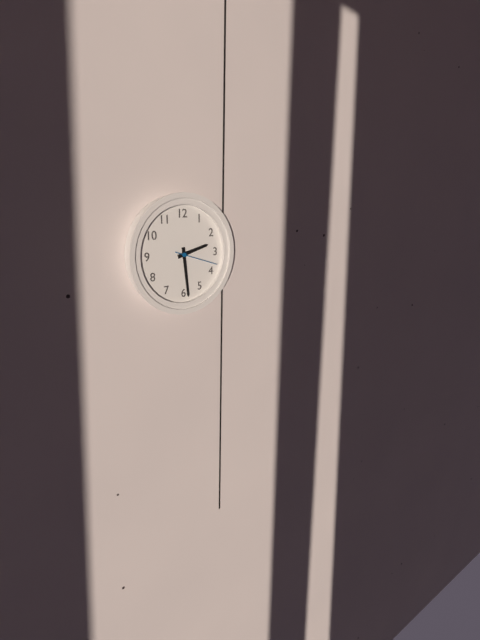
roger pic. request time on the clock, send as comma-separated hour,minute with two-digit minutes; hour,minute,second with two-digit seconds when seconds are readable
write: 2,29
